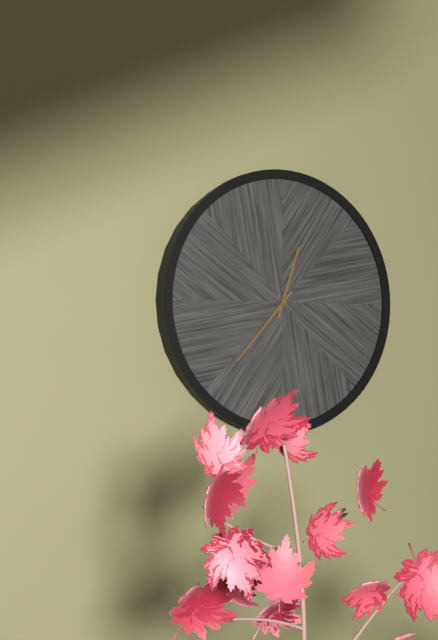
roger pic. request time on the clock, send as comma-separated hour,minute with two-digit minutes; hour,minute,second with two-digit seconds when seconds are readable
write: 12,37
